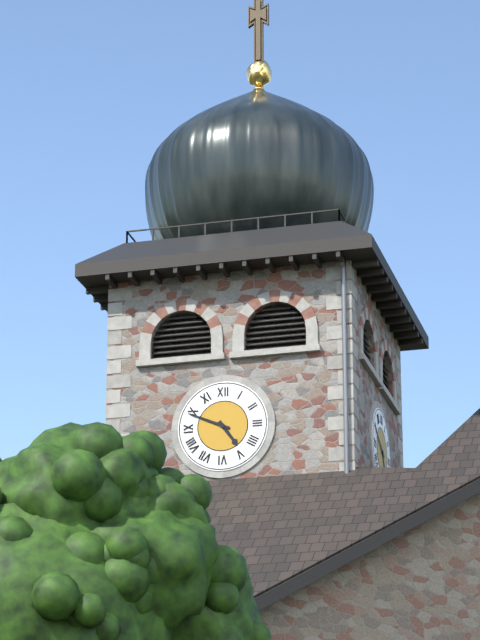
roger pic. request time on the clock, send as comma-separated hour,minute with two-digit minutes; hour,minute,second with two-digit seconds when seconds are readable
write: 4,49
